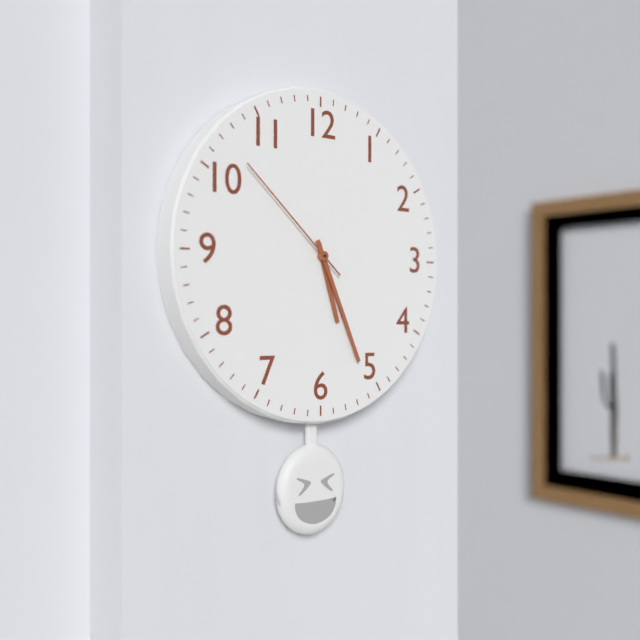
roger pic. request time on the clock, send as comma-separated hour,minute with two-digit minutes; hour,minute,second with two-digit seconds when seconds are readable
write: 5,26,52
